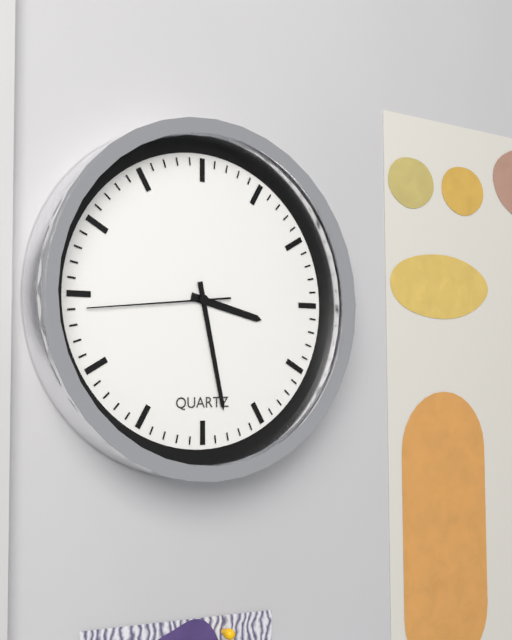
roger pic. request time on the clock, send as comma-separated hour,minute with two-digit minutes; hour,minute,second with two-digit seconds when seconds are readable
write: 3,28,44
